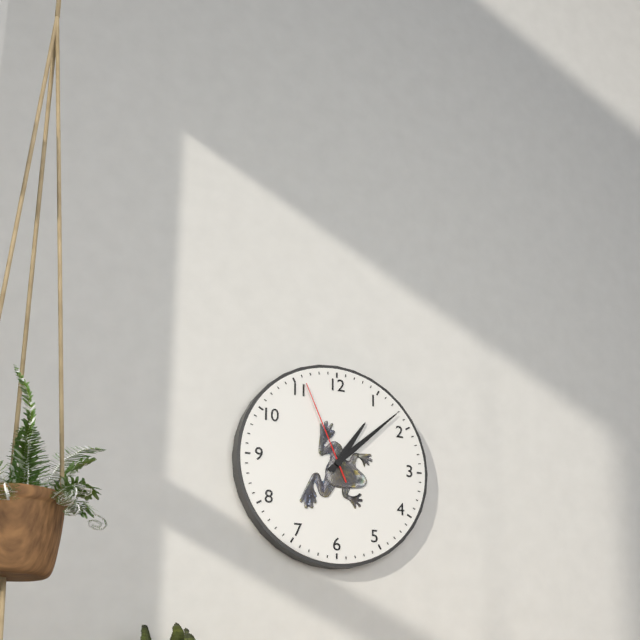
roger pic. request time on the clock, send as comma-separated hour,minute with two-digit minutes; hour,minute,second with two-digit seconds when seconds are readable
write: 1,08,56
